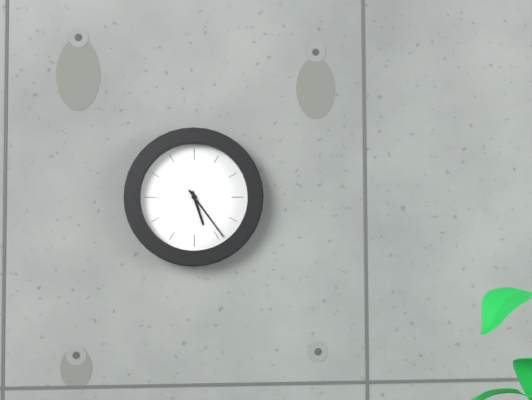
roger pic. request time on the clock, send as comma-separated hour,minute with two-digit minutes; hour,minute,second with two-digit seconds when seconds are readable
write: 5,24
